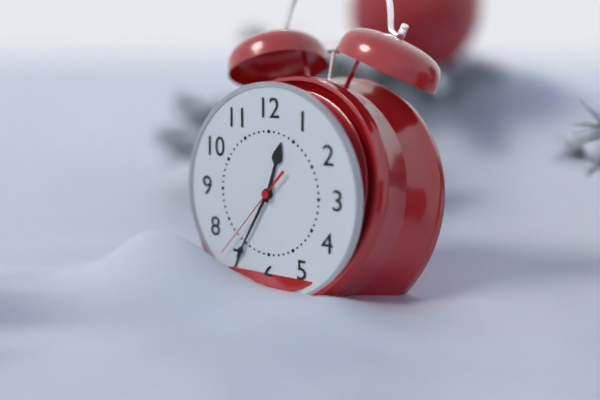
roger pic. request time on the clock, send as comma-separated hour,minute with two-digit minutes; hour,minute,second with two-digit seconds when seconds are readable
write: 12,35,37
